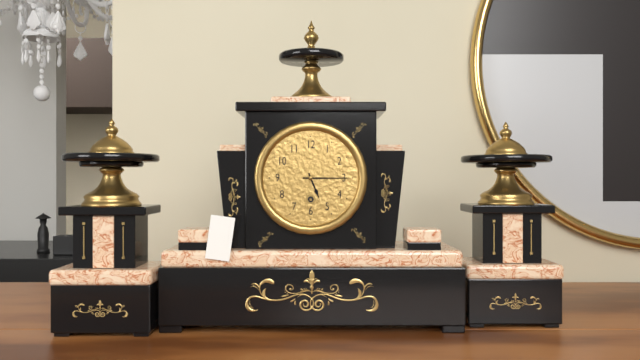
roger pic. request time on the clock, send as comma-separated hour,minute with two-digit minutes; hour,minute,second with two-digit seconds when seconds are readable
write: 5,15
